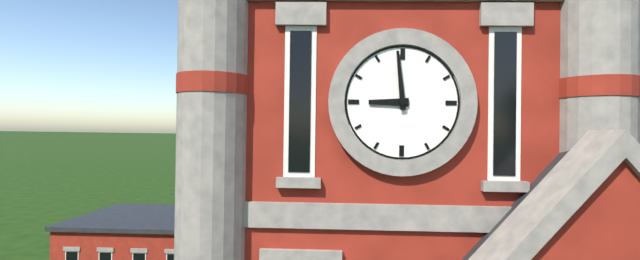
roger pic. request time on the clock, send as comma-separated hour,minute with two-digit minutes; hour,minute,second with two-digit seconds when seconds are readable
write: 8,59
